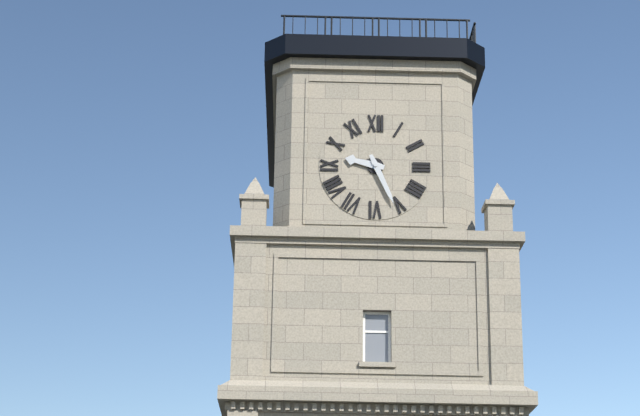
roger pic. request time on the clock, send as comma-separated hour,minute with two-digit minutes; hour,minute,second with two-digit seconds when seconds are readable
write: 9,26
